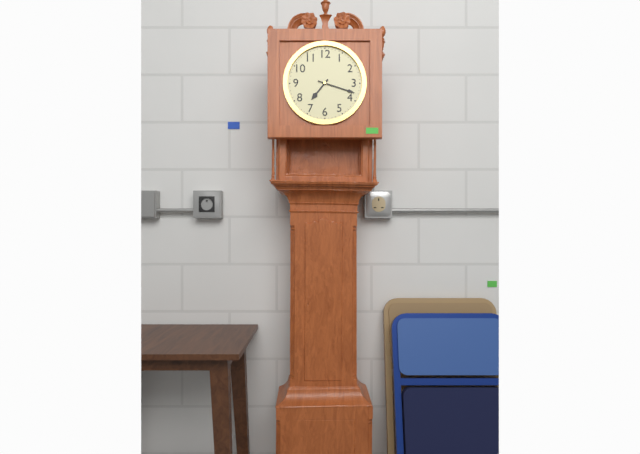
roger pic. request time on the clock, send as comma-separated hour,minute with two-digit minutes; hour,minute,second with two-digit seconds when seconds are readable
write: 7,18
